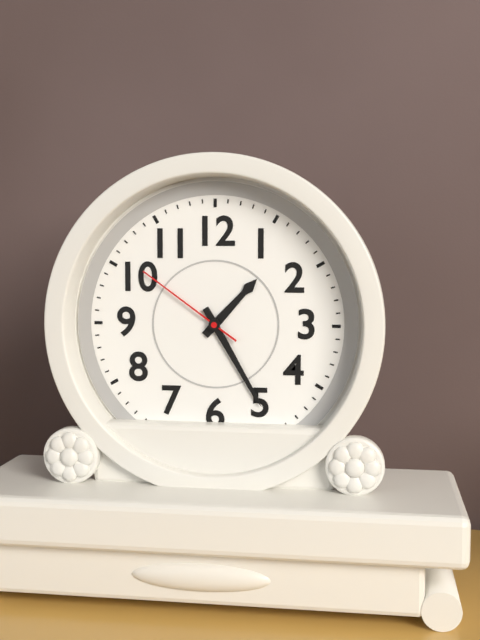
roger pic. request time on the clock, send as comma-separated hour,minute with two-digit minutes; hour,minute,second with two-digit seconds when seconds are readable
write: 1,25,51
